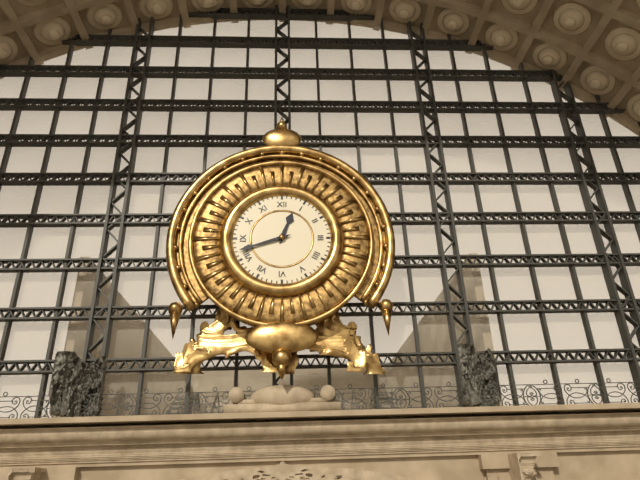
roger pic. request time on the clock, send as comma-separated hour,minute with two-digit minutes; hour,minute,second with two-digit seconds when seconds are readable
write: 12,42
